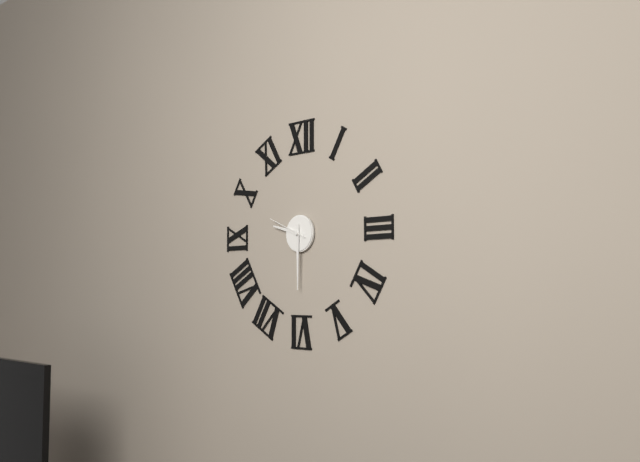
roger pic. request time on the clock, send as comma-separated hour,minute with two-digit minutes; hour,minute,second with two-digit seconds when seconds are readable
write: 9,30
